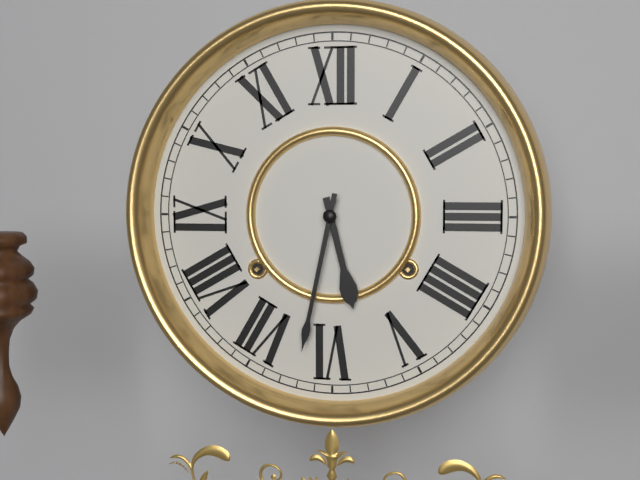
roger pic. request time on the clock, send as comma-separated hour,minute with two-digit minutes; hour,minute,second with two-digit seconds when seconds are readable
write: 5,32
